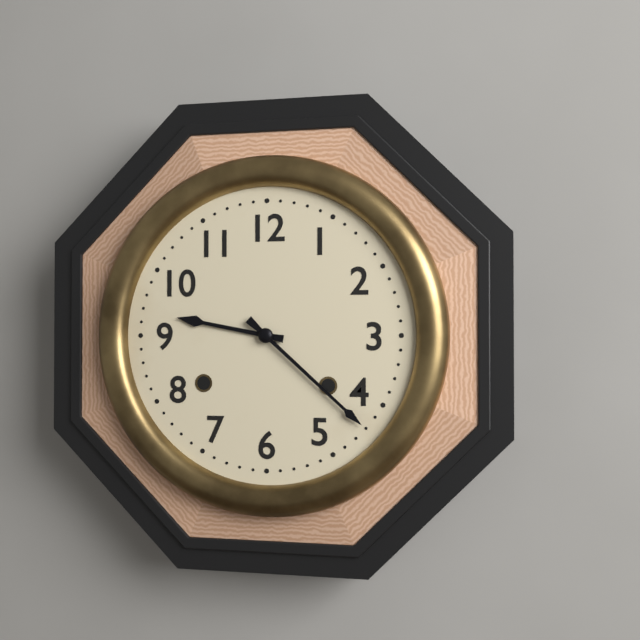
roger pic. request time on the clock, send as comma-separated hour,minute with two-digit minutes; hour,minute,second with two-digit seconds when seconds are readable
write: 9,22
